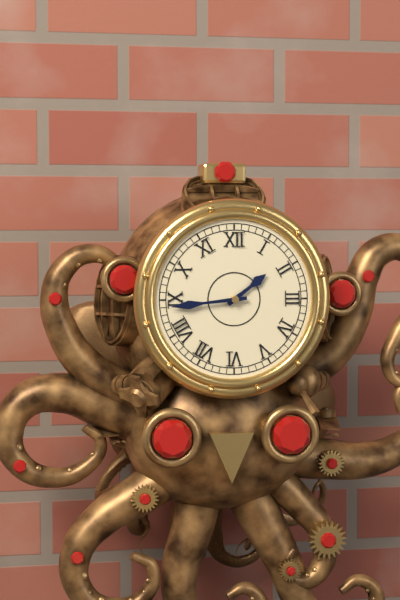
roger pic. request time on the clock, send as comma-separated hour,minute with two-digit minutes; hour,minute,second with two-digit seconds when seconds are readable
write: 1,44
